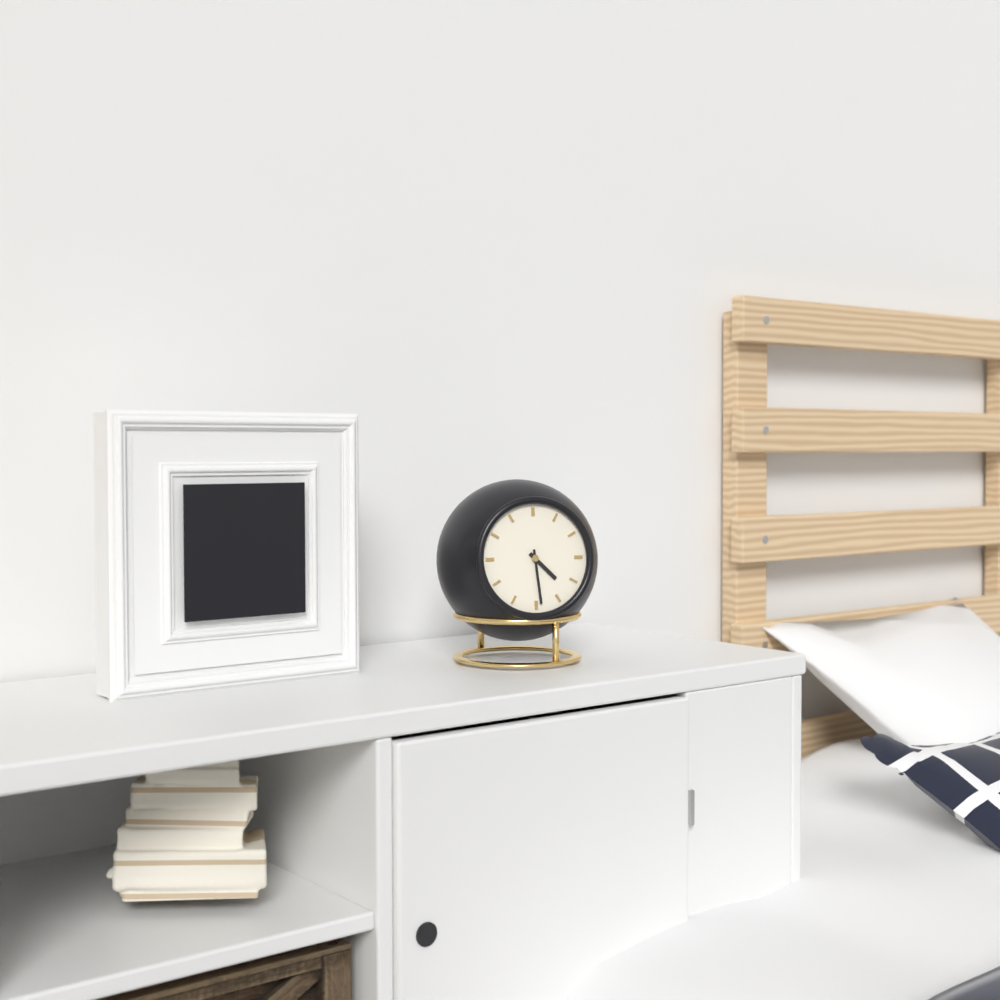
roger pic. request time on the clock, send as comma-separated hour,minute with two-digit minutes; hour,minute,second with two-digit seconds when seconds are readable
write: 4,29
